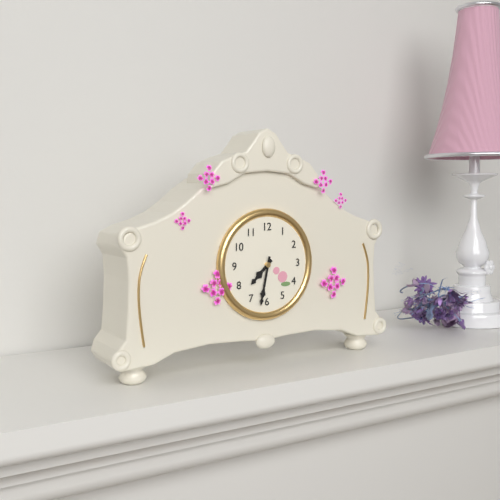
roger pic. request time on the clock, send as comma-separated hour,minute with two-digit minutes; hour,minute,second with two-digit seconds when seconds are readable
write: 7,32
